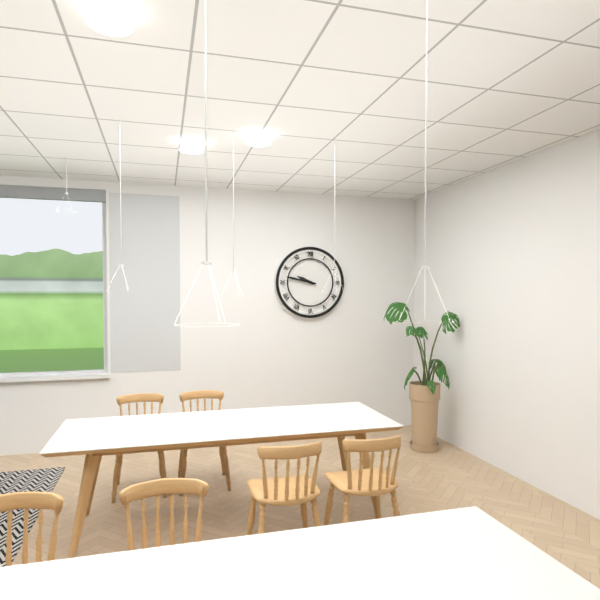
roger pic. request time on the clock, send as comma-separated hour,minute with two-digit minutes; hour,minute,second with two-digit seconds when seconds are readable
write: 9,47
